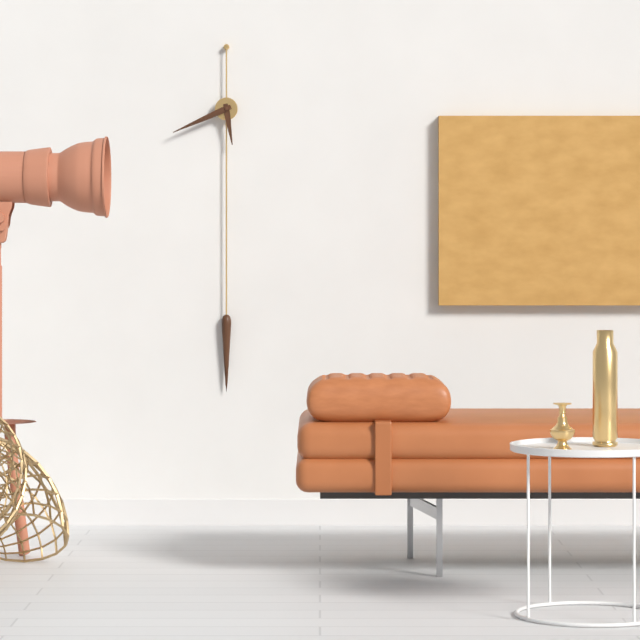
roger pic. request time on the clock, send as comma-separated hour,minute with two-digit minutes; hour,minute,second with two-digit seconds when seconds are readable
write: 5,41
